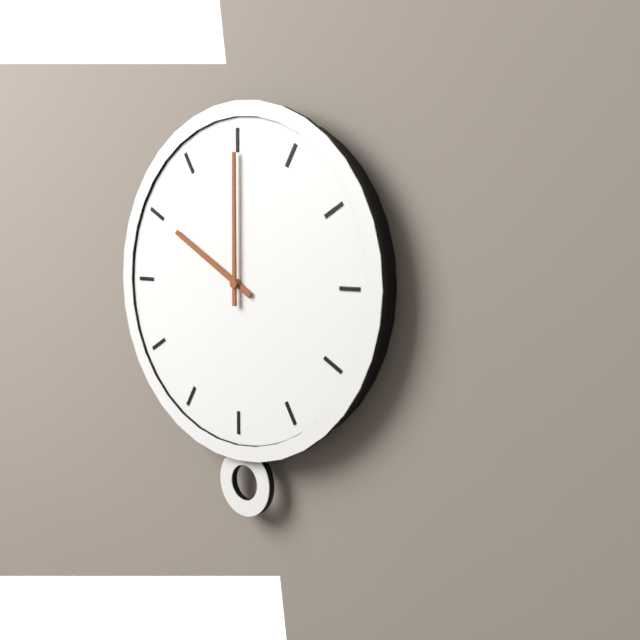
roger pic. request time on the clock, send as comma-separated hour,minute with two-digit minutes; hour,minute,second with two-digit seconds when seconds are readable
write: 10,00
